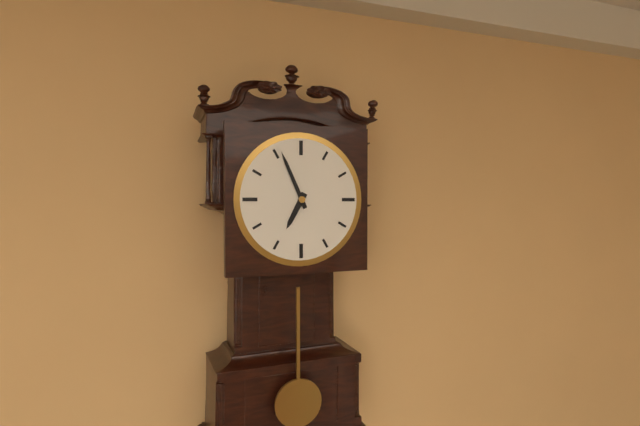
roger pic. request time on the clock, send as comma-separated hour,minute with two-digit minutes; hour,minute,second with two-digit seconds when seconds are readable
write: 6,56
